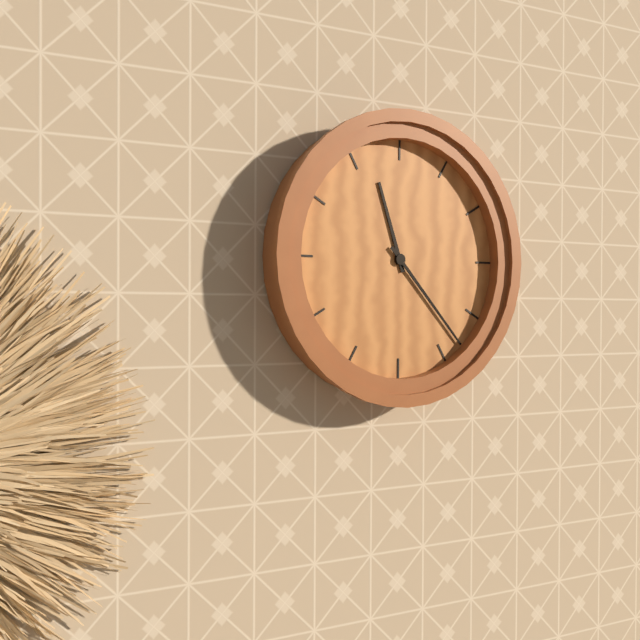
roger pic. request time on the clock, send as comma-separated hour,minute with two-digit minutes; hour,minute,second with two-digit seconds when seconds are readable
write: 11,23
